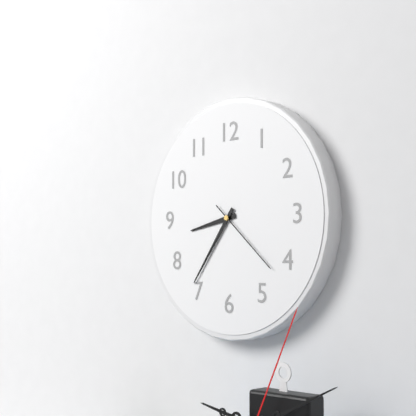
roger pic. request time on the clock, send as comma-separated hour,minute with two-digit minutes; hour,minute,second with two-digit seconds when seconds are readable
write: 8,36,22
